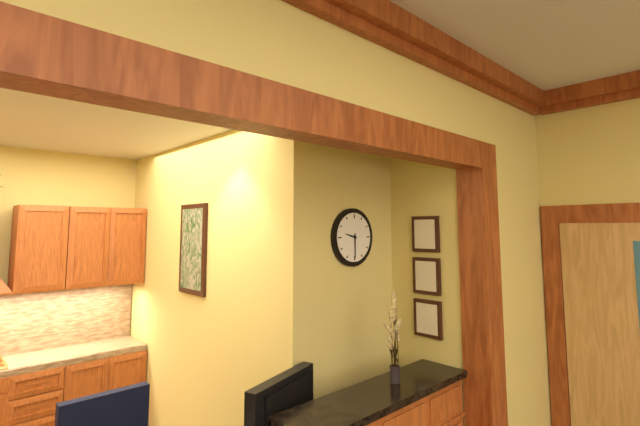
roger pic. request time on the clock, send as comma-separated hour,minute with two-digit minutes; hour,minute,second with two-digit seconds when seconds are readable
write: 9,30
